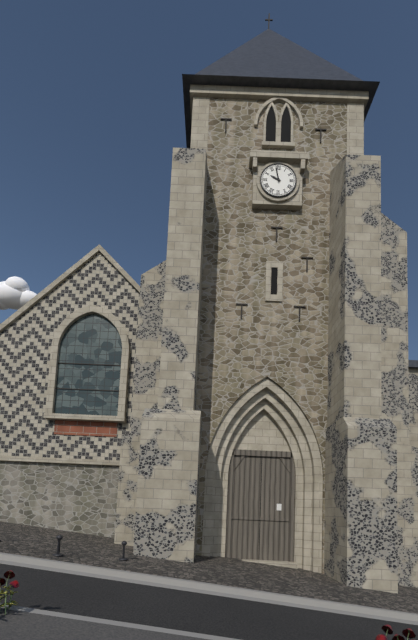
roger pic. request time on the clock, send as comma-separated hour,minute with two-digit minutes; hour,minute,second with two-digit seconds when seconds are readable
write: 9,58
